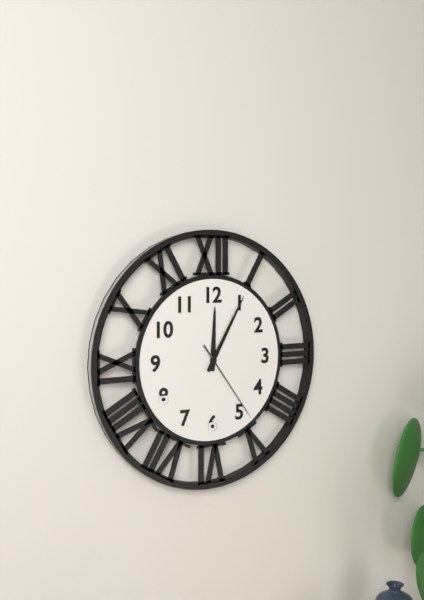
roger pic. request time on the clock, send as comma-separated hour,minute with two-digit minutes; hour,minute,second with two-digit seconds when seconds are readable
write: 12,05,24
